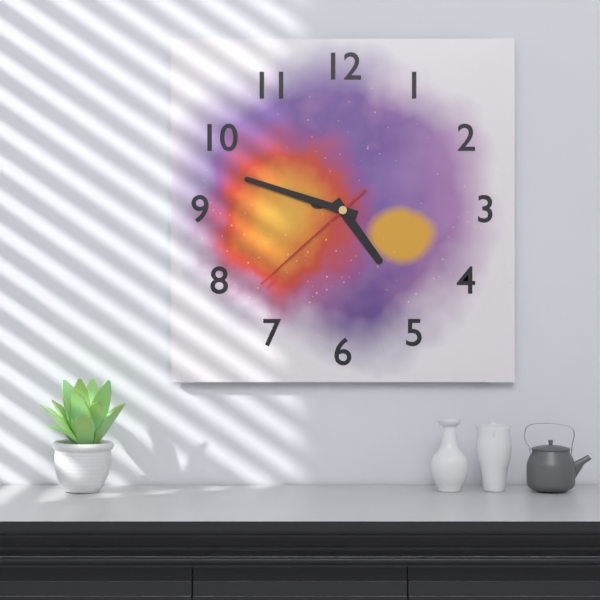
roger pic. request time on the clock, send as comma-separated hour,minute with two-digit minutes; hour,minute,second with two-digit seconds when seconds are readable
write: 4,48,38
